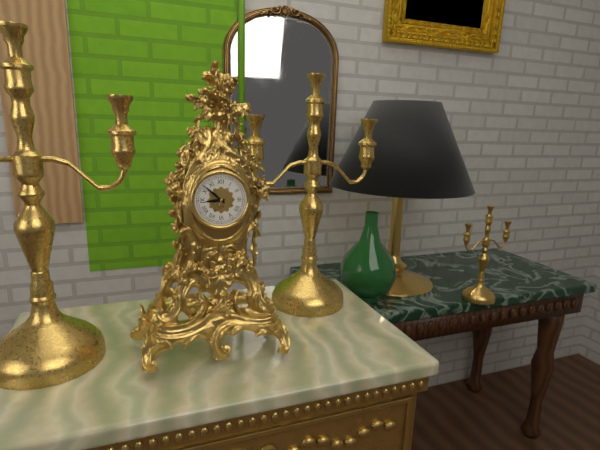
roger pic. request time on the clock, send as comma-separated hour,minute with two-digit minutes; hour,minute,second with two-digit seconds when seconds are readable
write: 8,52
